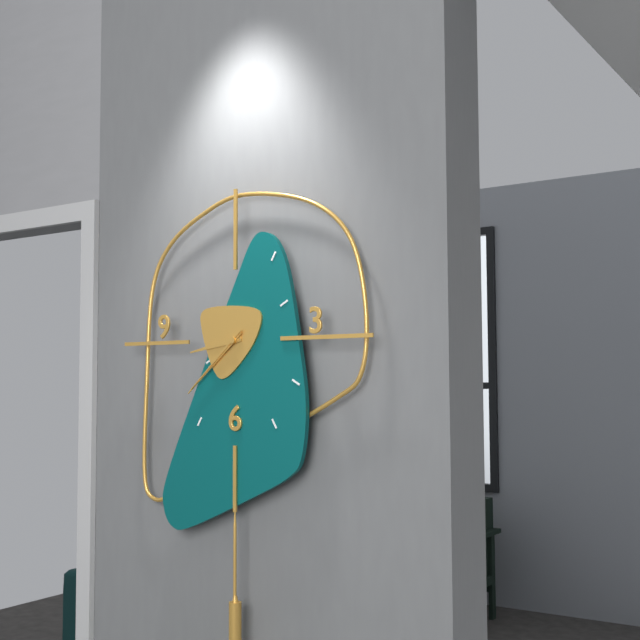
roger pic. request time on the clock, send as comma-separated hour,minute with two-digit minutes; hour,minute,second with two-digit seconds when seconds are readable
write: 8,38,38
